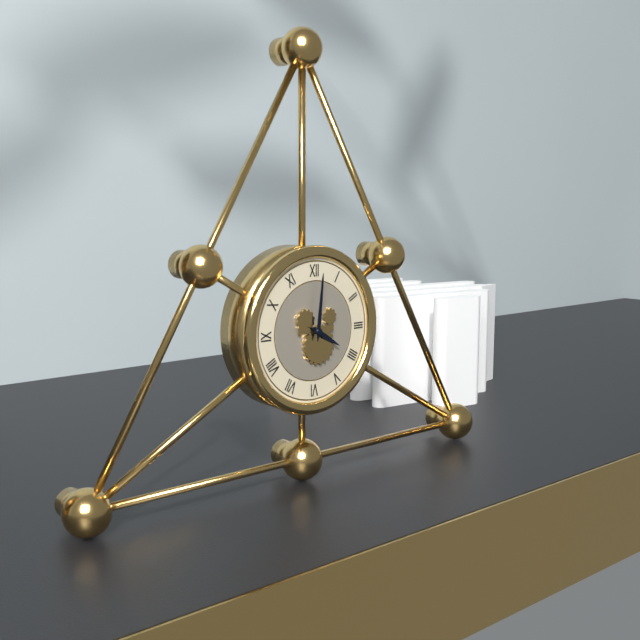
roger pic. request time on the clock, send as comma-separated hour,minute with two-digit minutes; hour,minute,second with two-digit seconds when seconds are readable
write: 4,01
